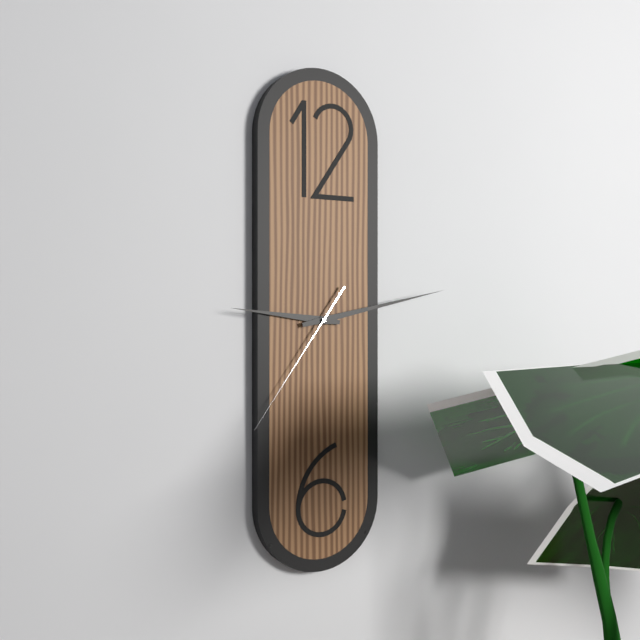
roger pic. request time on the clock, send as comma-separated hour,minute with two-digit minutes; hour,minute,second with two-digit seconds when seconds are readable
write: 9,13,36
